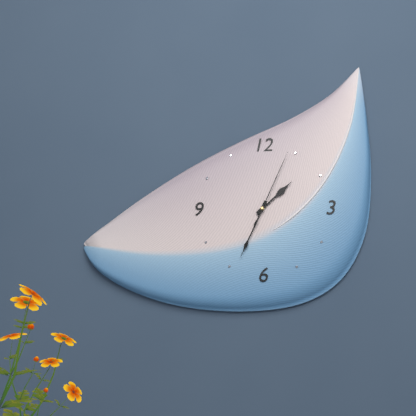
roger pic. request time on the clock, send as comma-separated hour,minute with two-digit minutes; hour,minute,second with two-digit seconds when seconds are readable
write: 1,34,04
